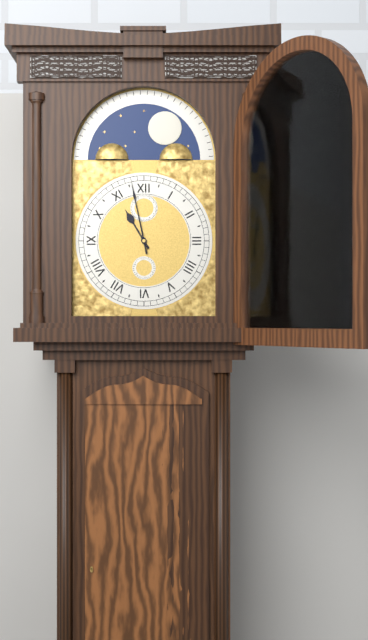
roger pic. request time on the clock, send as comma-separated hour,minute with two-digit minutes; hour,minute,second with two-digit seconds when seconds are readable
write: 10,58
